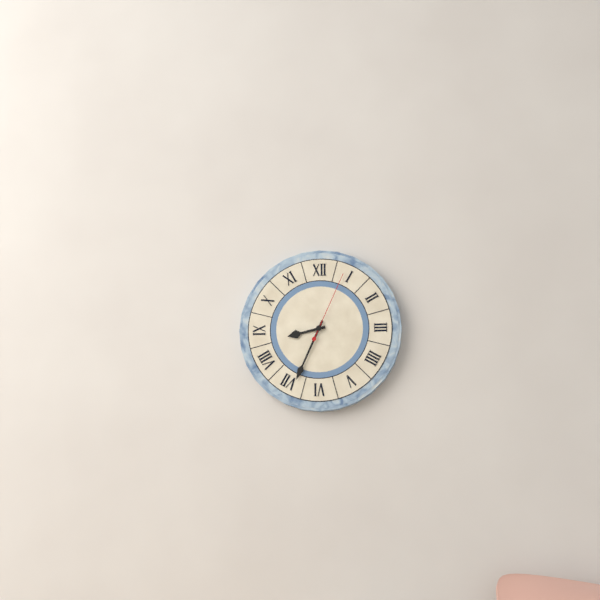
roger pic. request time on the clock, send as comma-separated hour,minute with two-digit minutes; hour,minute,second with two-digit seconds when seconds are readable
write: 8,34,04
